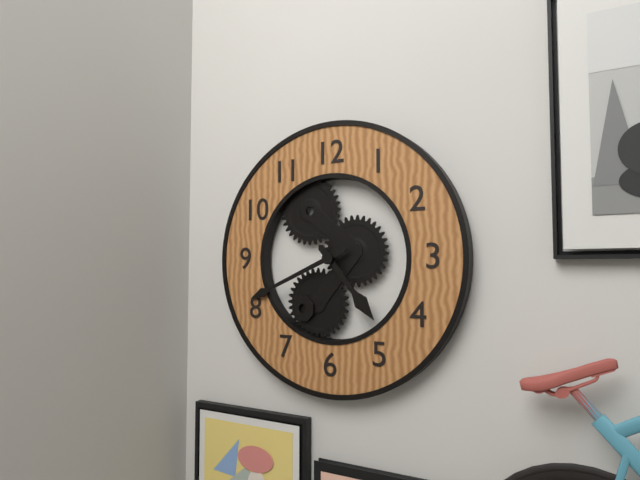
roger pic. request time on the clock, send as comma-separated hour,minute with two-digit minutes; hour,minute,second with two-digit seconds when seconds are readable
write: 4,41
